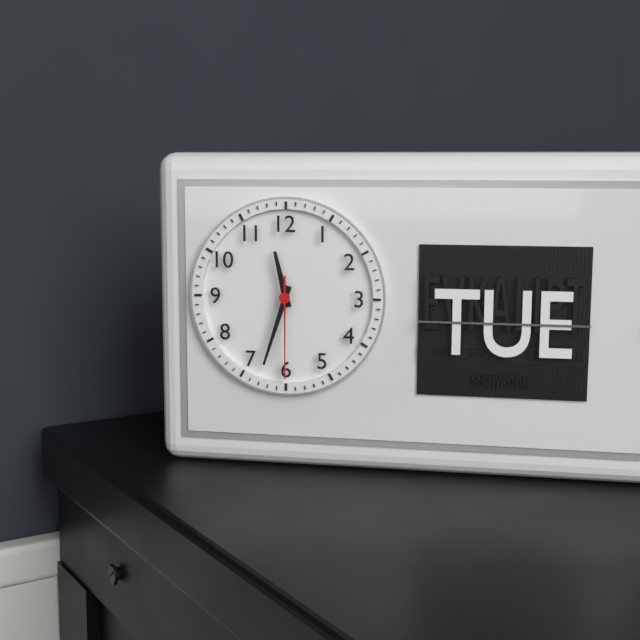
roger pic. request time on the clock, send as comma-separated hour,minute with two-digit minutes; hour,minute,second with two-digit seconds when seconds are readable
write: 11,33,30
